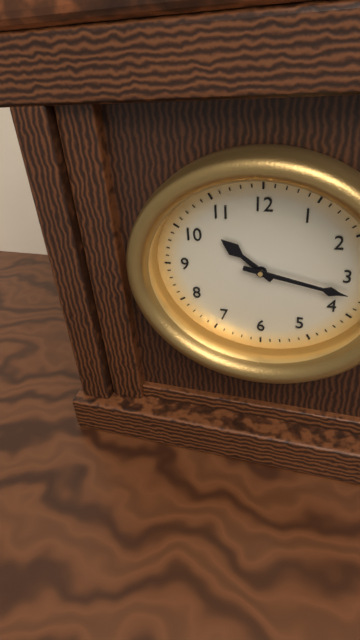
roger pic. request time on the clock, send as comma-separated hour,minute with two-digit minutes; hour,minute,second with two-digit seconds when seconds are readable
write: 10,17
